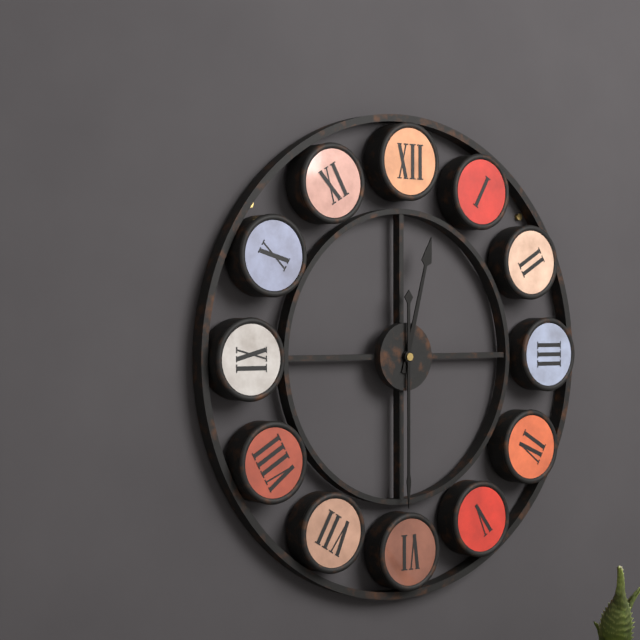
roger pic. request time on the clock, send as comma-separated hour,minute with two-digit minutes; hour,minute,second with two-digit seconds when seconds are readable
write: 12,30
